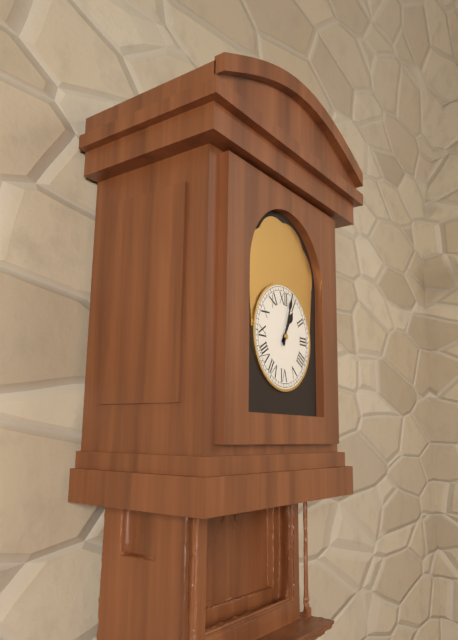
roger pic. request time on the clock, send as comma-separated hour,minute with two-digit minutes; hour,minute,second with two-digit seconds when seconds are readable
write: 1,03
